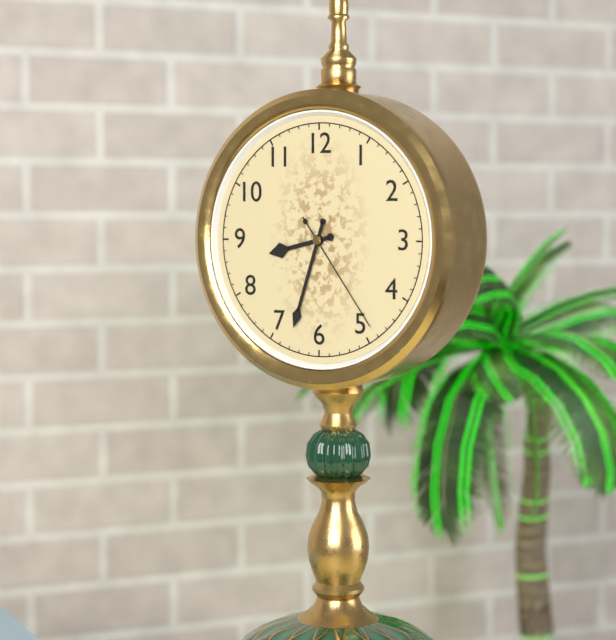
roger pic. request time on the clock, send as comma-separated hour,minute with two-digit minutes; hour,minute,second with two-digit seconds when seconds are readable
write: 8,33,24
